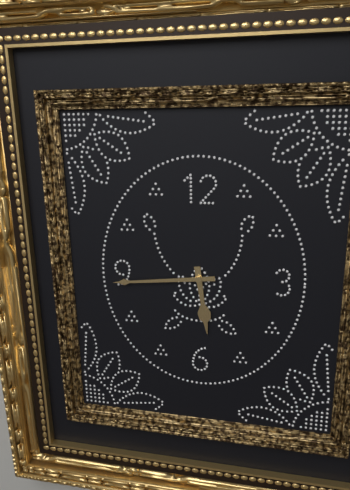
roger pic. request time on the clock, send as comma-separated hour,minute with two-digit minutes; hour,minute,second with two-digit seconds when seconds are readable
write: 5,44
